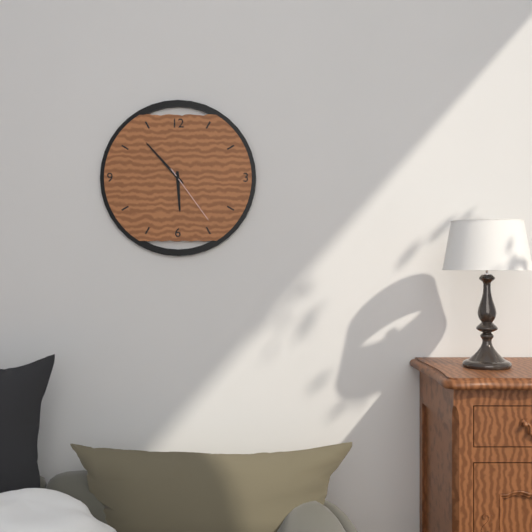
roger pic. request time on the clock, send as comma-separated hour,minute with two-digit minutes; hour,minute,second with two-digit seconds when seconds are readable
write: 5,53,24
